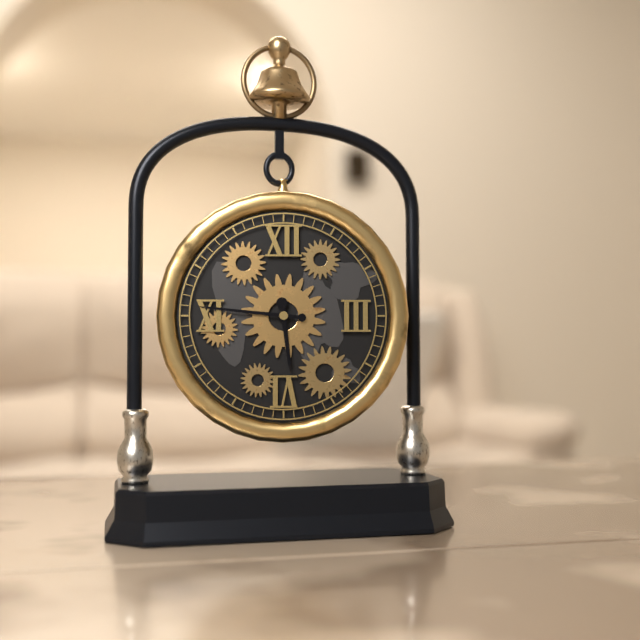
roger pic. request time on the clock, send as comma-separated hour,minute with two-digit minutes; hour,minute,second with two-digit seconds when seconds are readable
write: 5,46
